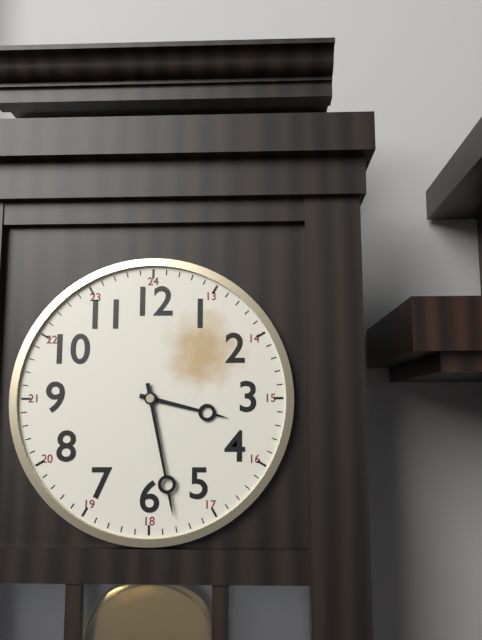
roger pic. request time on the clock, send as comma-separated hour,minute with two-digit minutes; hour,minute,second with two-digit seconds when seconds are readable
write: 3,28
